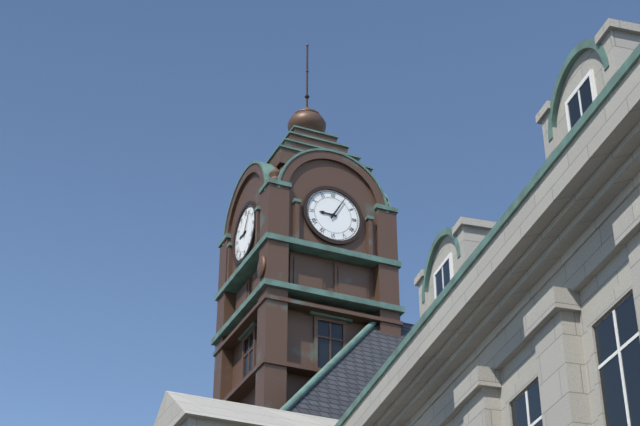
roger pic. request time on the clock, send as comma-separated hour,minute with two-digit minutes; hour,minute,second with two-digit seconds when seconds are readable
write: 9,05
